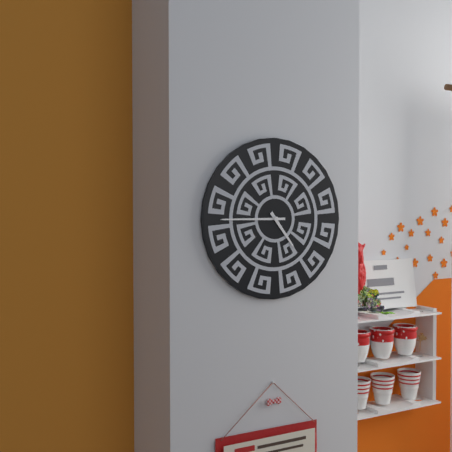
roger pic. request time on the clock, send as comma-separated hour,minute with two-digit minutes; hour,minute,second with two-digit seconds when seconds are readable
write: 4,45
